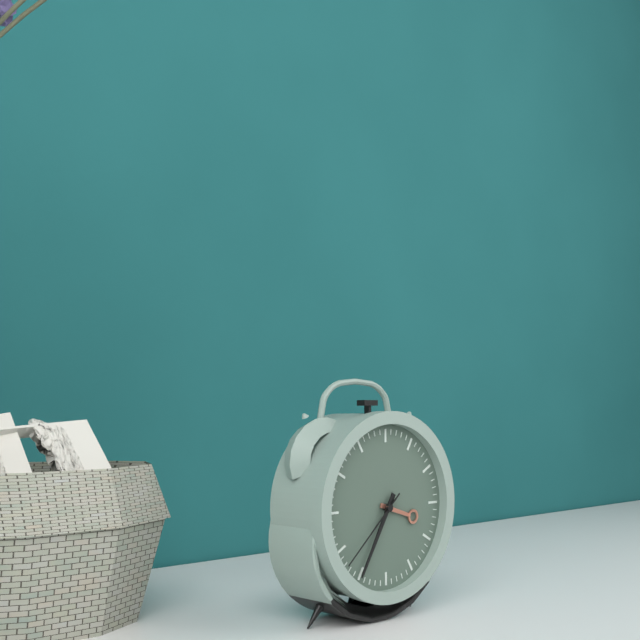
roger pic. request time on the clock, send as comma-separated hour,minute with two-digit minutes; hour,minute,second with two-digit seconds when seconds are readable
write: 3,35,38
